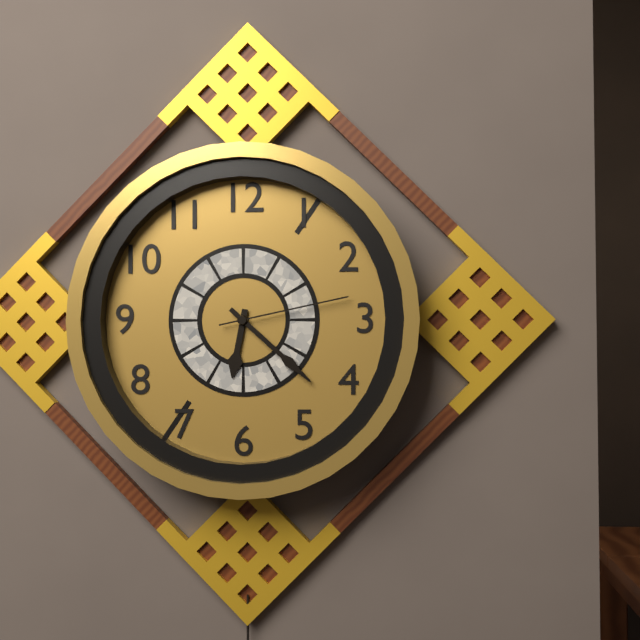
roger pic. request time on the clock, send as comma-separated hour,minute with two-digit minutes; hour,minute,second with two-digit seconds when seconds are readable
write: 6,22,13
